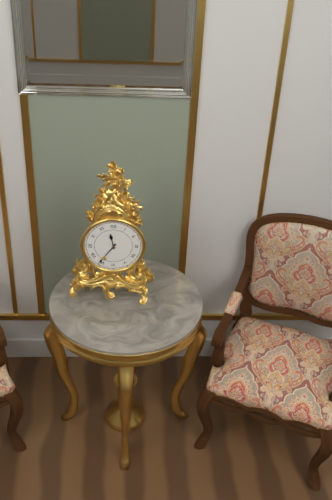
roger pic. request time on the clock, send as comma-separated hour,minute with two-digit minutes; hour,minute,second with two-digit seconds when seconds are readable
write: 11,36
